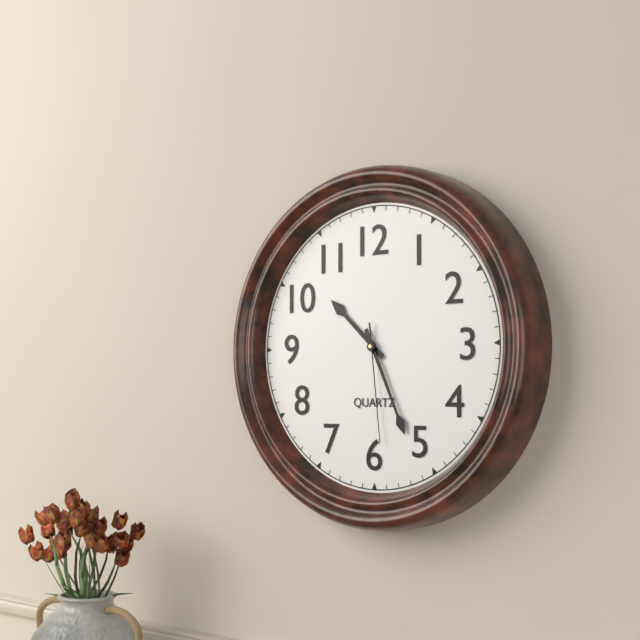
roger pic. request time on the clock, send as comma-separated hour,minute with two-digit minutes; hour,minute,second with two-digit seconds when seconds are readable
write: 10,26,29
